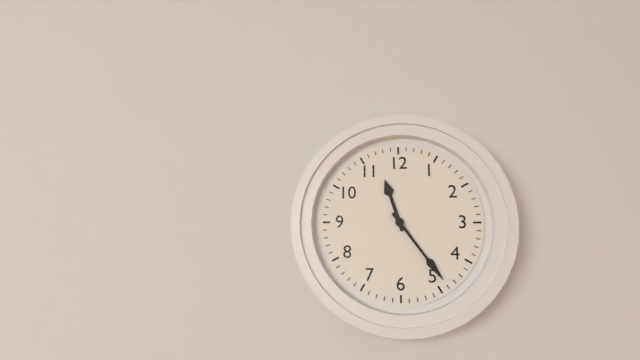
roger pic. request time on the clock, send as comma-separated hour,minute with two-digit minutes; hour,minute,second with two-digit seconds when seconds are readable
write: 11,24
